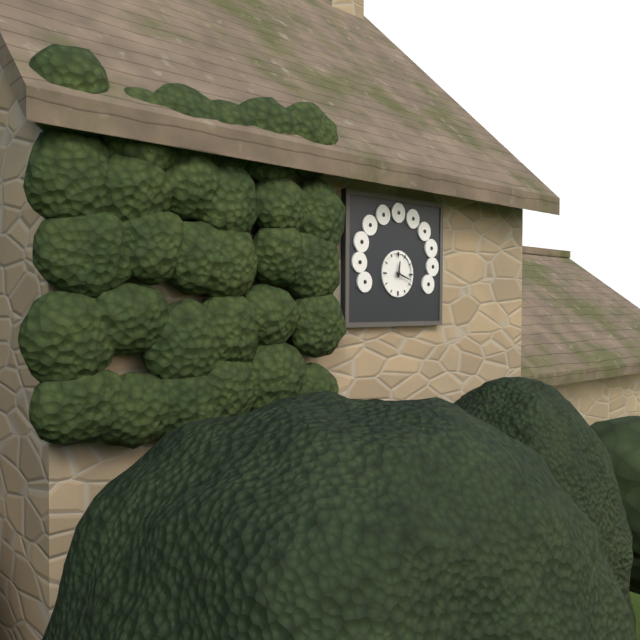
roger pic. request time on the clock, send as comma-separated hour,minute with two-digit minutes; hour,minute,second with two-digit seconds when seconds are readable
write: 12,18
